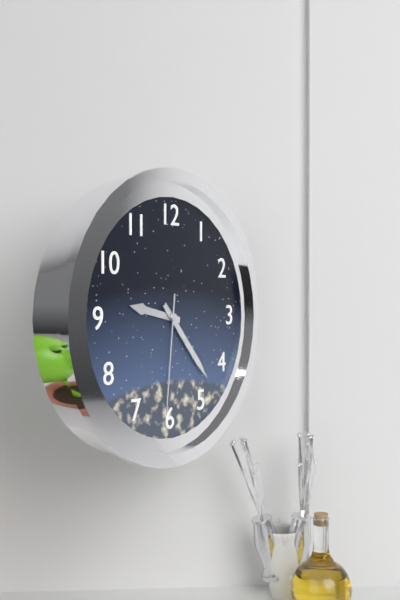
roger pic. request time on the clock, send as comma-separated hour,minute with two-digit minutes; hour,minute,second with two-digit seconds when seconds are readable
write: 9,23,31
